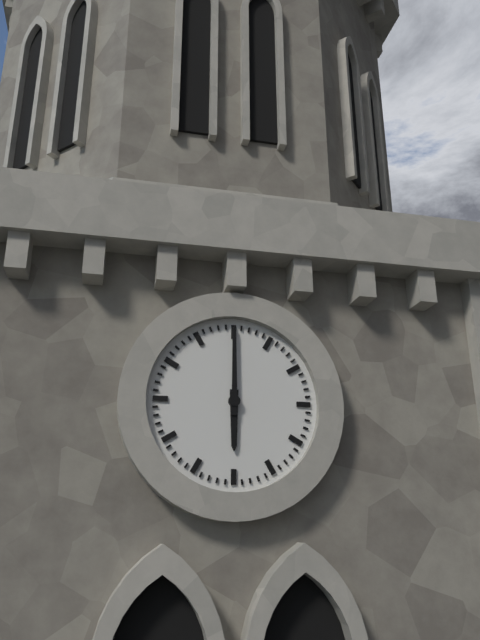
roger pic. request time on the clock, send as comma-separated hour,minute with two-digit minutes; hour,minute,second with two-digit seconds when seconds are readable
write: 6,00
